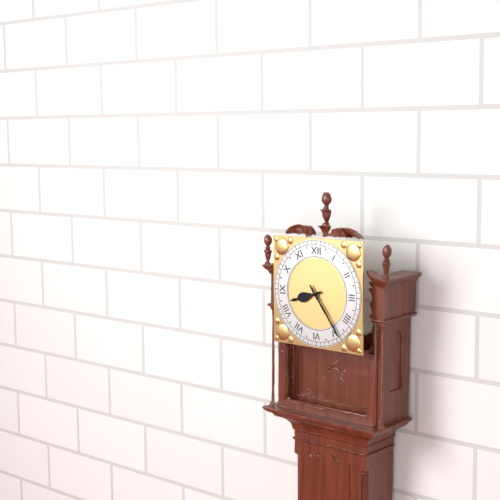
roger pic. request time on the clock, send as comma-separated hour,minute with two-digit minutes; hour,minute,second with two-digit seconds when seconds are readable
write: 8,24
